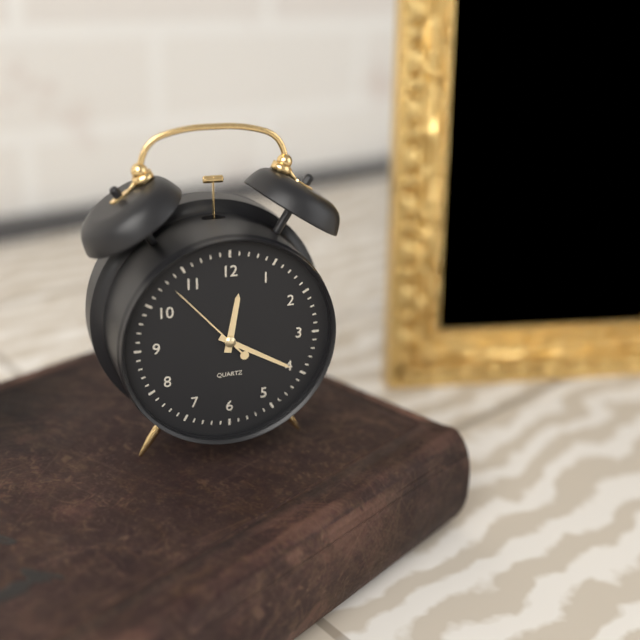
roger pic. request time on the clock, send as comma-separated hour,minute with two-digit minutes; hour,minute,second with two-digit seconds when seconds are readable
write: 12,20,53
